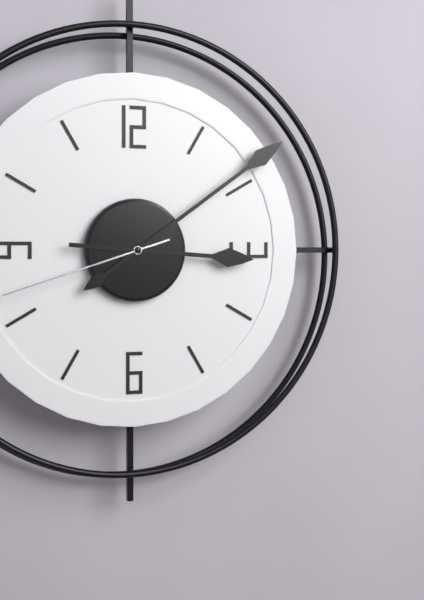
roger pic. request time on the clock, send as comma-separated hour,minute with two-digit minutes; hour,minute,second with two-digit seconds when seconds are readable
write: 3,09
